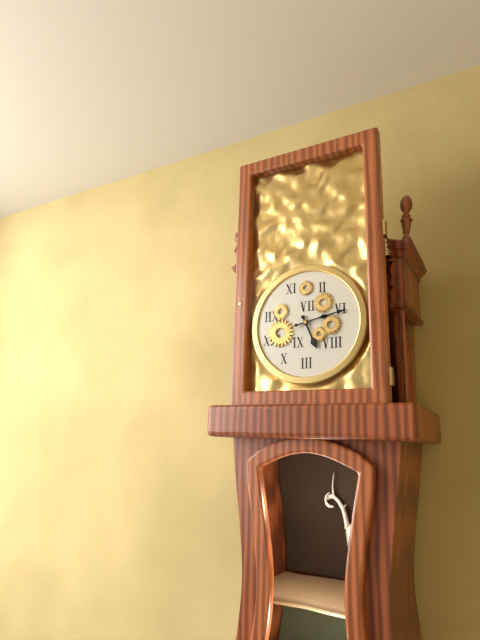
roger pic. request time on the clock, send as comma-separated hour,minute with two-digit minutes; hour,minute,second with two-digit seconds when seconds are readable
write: 5,13
